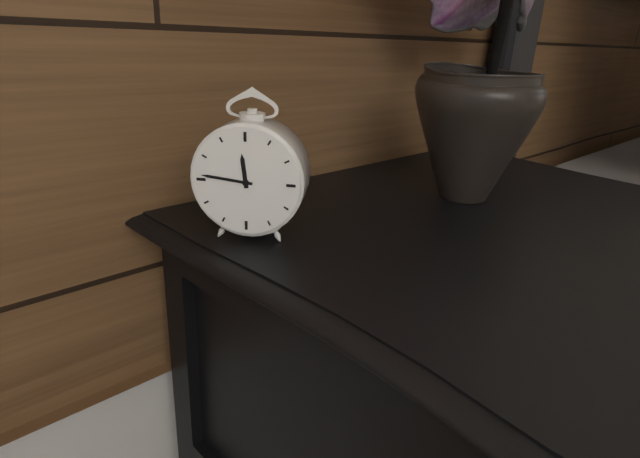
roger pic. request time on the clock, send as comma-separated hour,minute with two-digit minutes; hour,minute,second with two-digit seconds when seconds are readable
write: 11,46
